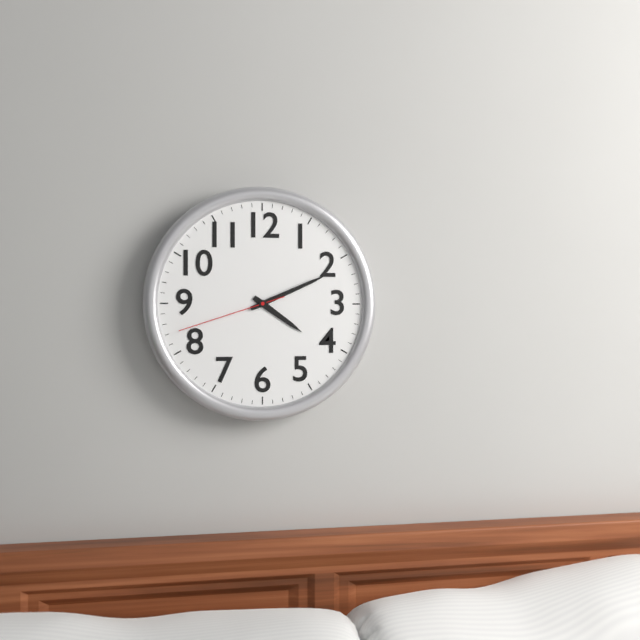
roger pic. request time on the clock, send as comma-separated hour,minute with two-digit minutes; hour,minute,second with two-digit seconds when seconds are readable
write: 4,11,42
